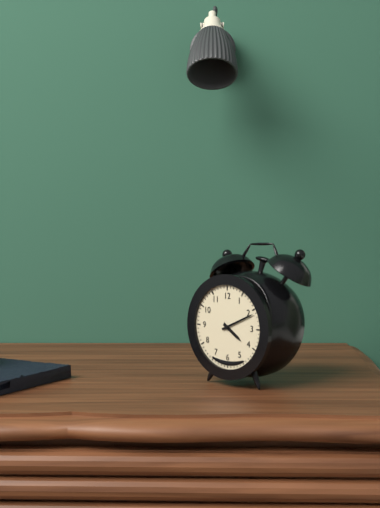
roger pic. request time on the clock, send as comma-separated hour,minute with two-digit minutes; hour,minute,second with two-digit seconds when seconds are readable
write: 4,11
